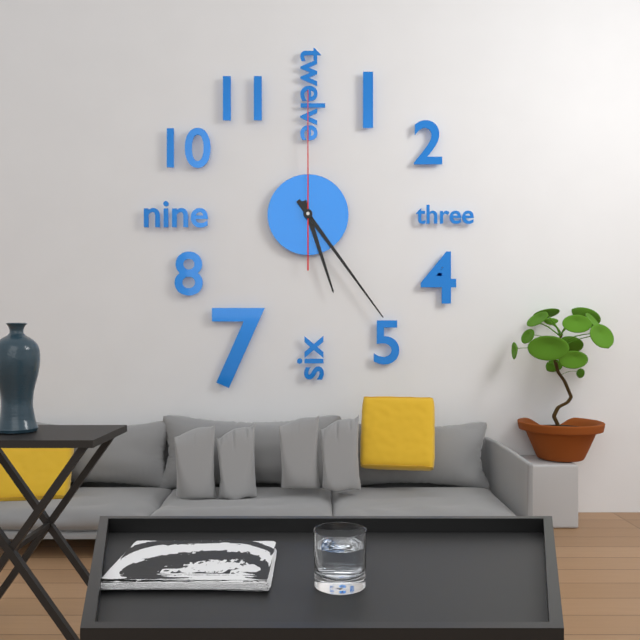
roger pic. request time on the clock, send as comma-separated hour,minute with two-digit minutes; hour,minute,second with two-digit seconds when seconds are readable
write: 5,24,00
